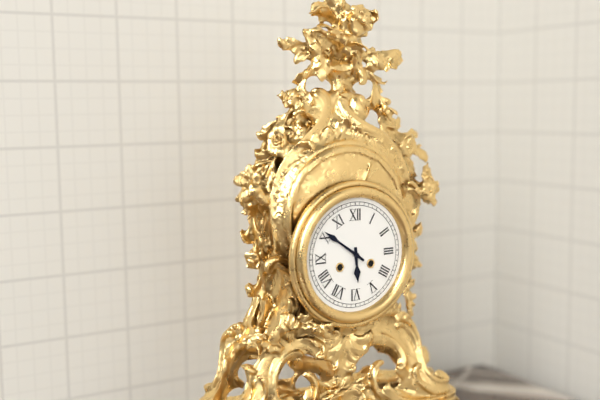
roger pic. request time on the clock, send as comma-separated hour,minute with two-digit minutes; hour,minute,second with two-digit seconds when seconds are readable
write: 5,51
